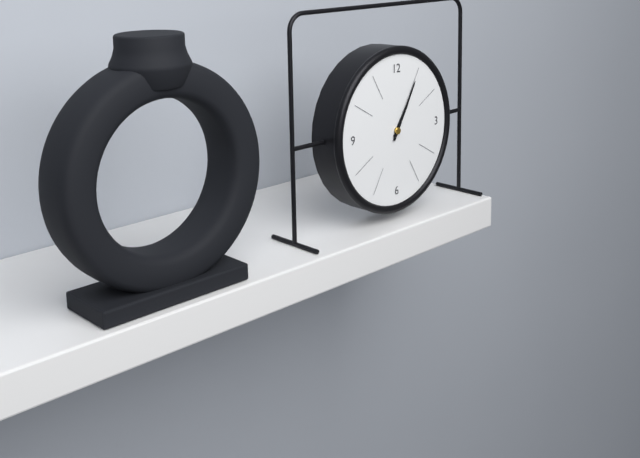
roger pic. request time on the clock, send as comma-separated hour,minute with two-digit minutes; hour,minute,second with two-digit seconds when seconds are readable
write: 1,05
